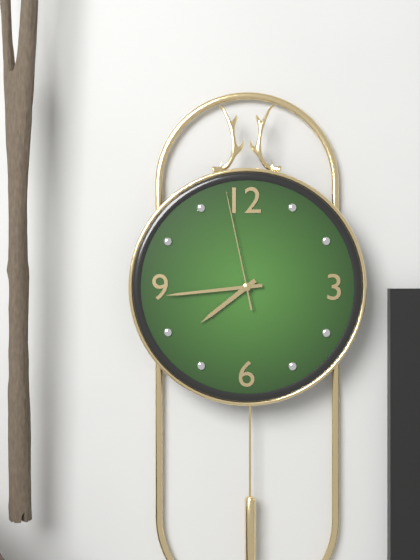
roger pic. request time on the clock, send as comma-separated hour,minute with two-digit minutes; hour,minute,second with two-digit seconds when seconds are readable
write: 7,44,58
